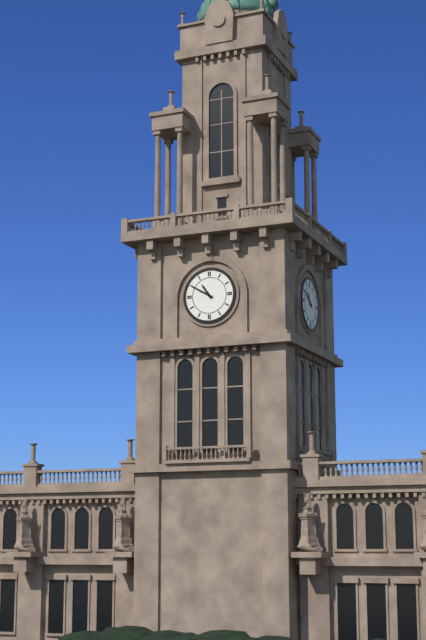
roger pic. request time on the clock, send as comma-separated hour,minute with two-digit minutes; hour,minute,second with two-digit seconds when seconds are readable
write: 10,50
